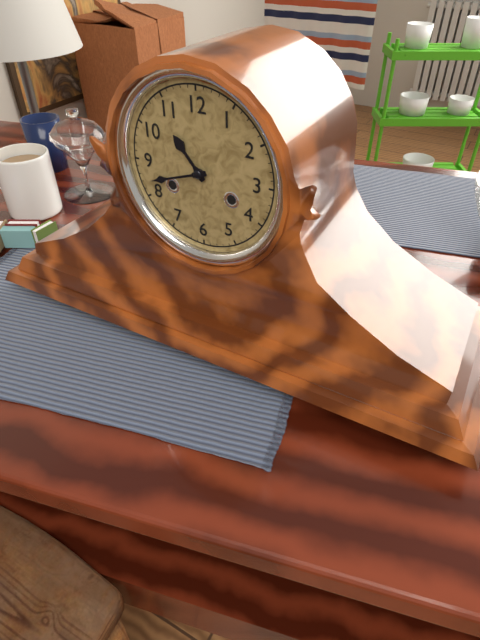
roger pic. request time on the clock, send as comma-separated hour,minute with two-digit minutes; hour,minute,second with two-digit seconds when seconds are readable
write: 10,42
